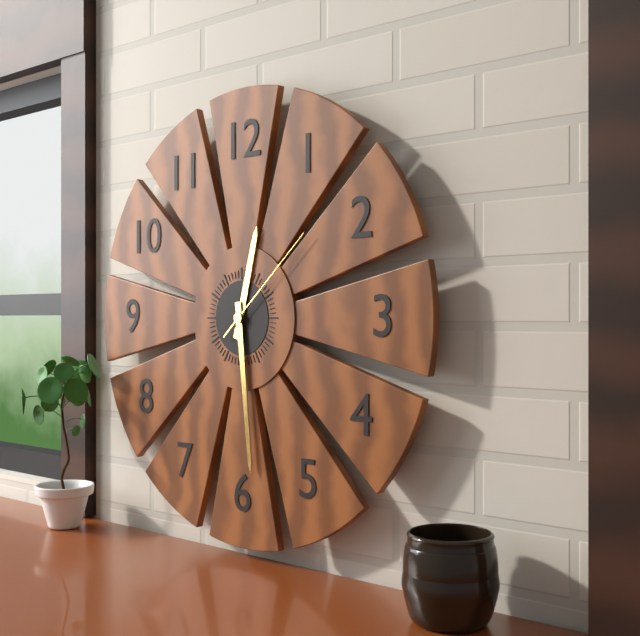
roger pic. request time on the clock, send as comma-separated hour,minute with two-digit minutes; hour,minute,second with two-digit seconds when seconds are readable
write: 12,29,08
